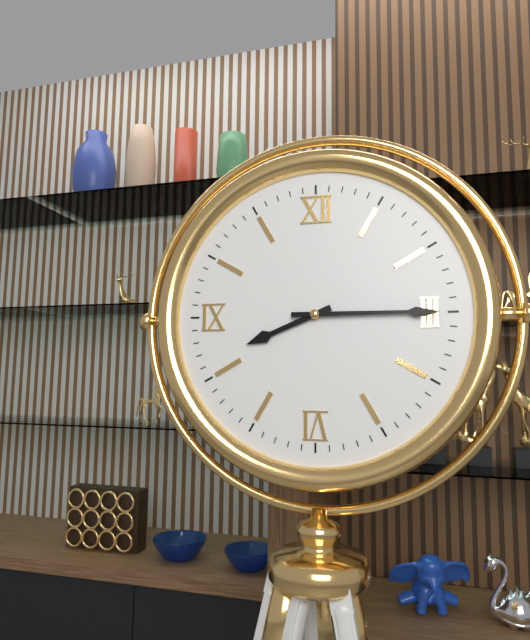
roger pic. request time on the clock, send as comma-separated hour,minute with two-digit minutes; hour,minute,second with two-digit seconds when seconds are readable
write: 8,15
